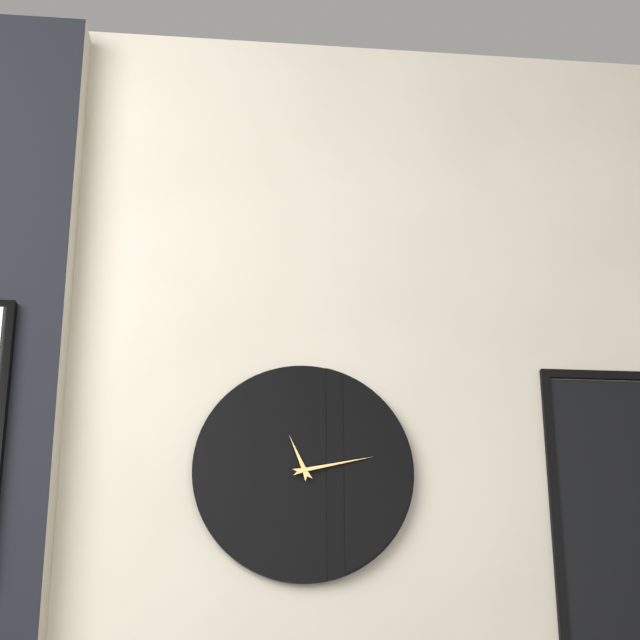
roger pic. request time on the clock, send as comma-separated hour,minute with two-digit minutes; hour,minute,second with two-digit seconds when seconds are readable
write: 11,13
